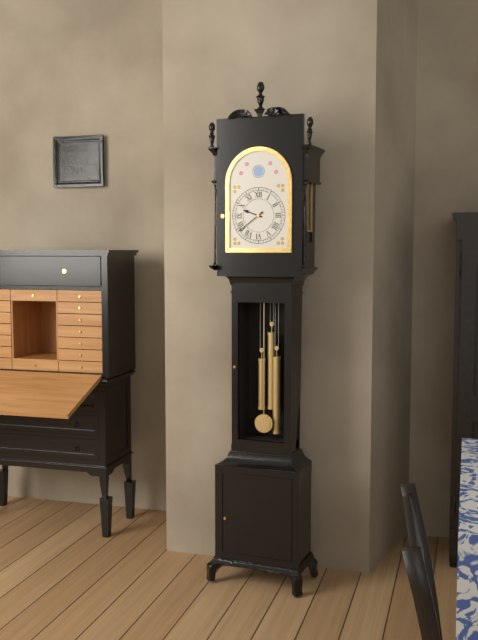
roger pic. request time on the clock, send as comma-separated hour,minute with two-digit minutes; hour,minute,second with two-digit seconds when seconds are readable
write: 9,39
